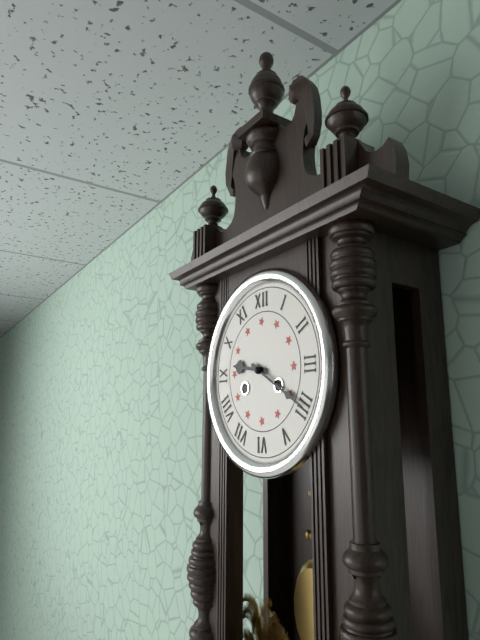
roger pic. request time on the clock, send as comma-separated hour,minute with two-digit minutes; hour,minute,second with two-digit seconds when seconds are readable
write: 9,20
